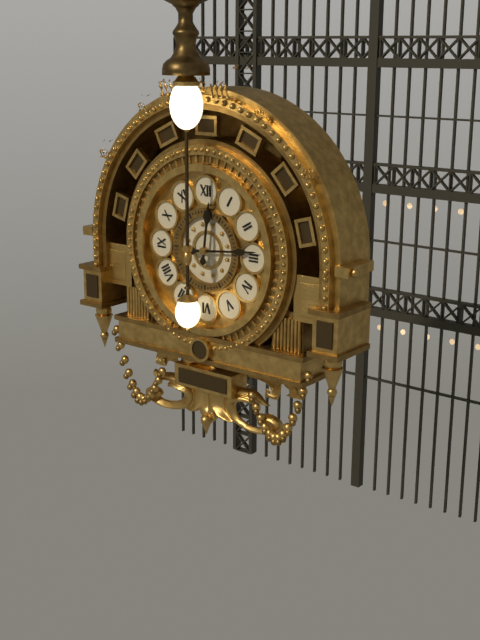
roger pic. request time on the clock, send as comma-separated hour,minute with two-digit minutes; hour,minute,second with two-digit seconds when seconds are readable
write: 12,14
